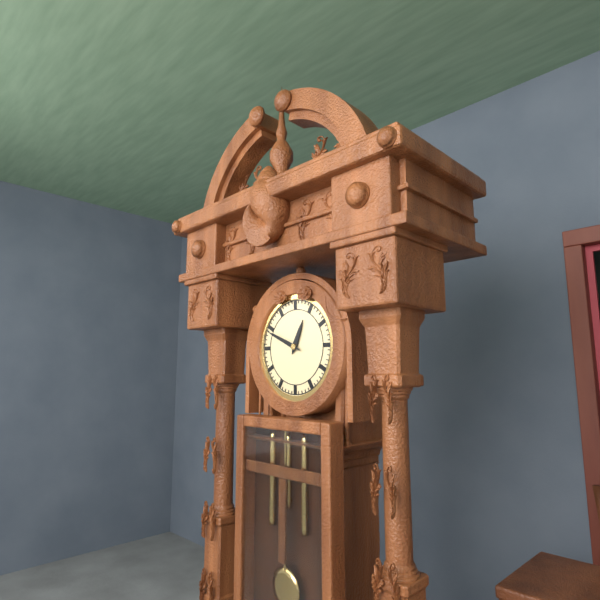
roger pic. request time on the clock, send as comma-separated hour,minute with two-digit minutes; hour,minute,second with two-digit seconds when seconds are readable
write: 12,49
